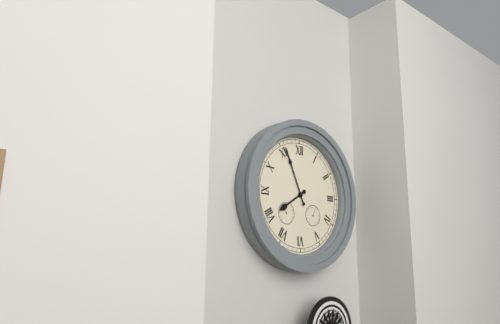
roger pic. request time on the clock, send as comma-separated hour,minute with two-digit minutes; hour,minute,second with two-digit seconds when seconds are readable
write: 7,56
